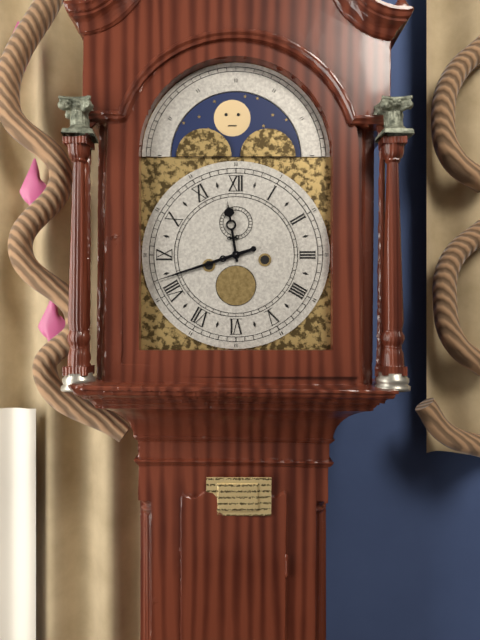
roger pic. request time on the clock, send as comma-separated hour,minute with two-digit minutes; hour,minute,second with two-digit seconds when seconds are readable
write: 11,42
